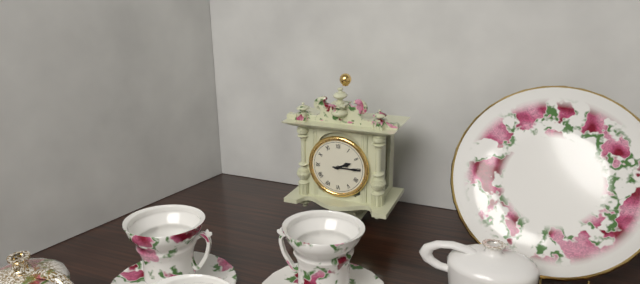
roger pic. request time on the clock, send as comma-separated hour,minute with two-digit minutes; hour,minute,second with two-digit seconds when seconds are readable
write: 2,15
